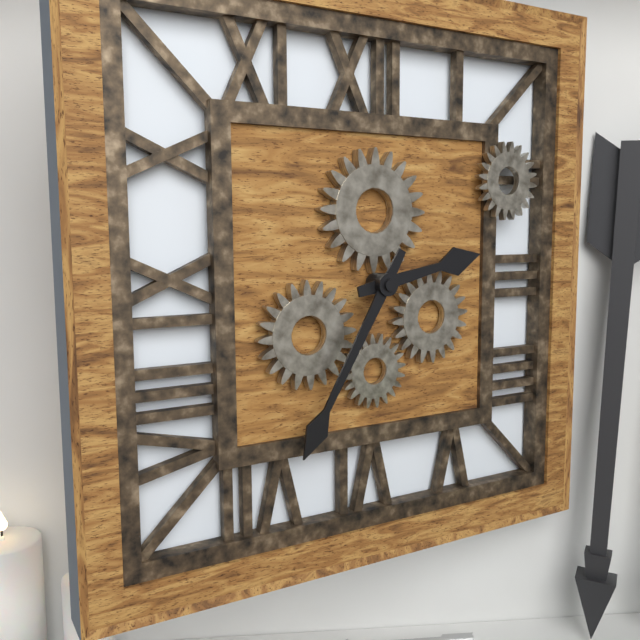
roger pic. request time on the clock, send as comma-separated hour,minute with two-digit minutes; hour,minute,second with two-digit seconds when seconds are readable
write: 2,35
